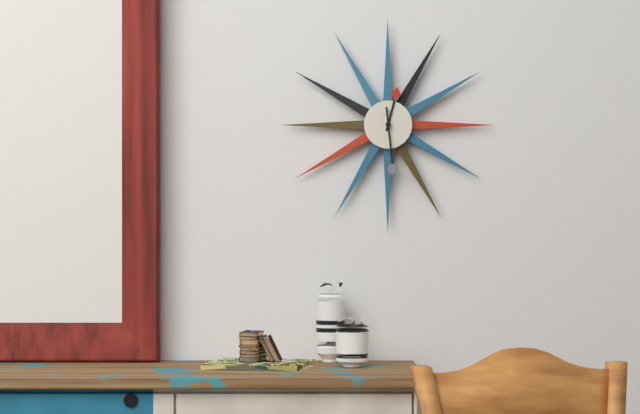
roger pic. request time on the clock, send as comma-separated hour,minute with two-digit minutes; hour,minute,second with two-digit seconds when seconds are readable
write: 12,29
